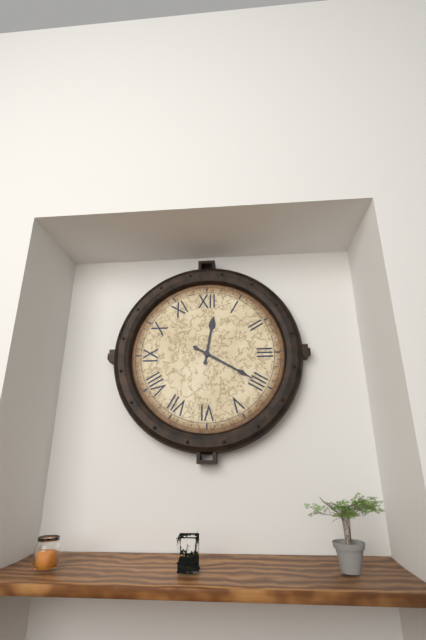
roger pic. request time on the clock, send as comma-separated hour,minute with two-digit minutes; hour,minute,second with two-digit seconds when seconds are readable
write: 12,20
